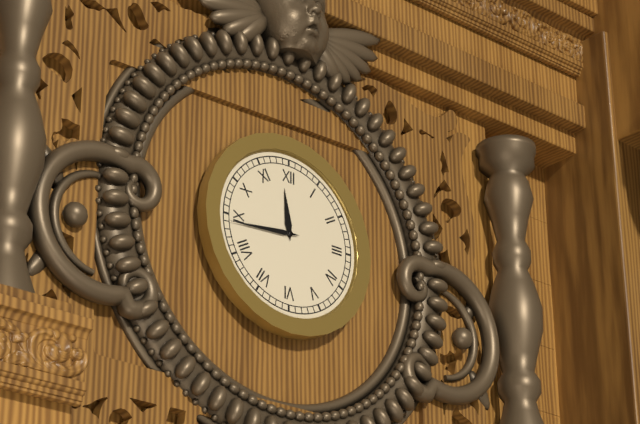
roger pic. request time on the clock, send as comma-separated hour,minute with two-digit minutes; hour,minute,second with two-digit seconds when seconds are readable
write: 11,44
